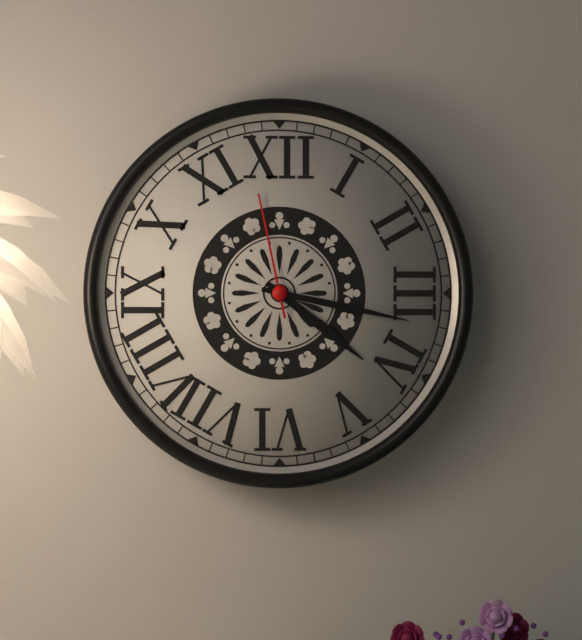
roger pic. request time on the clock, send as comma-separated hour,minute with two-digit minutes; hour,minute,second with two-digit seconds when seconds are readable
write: 4,17,58
